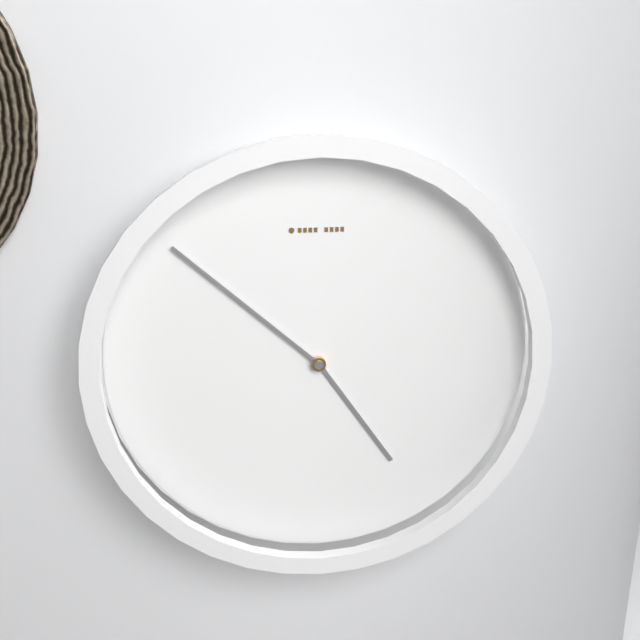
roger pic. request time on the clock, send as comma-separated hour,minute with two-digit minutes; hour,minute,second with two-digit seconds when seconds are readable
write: 4,52
